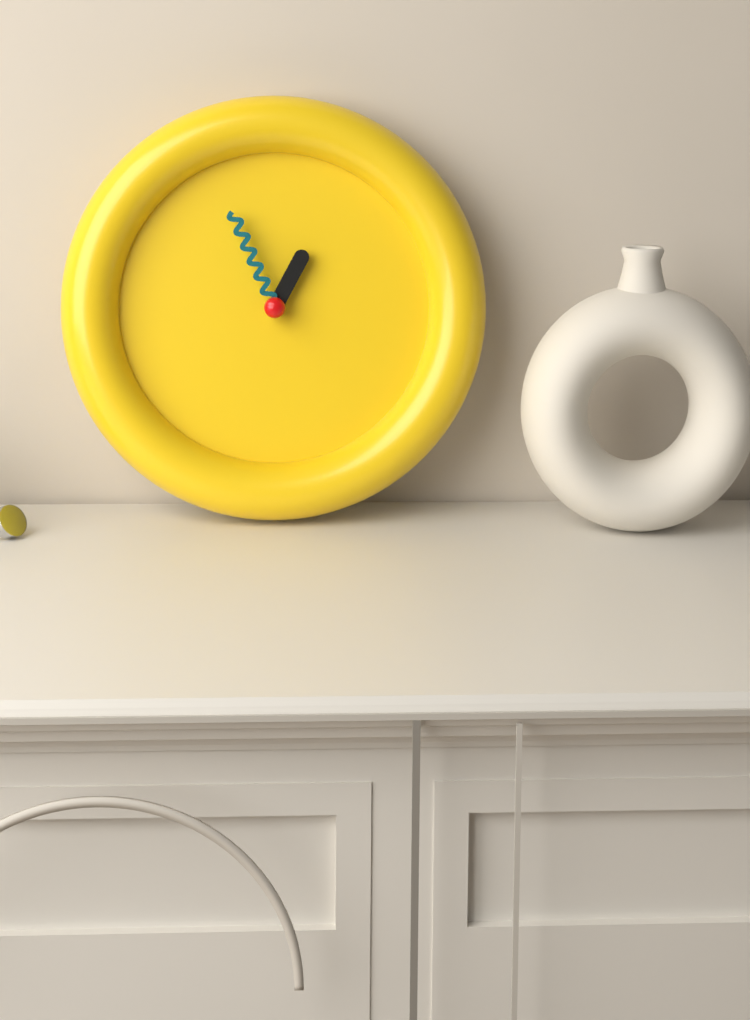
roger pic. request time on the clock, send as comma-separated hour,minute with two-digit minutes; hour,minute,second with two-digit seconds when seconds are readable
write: 12,56
